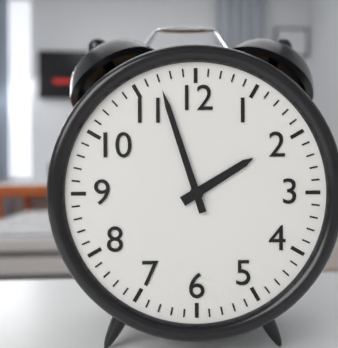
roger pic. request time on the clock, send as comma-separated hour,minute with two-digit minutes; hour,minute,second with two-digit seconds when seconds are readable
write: 1,57
